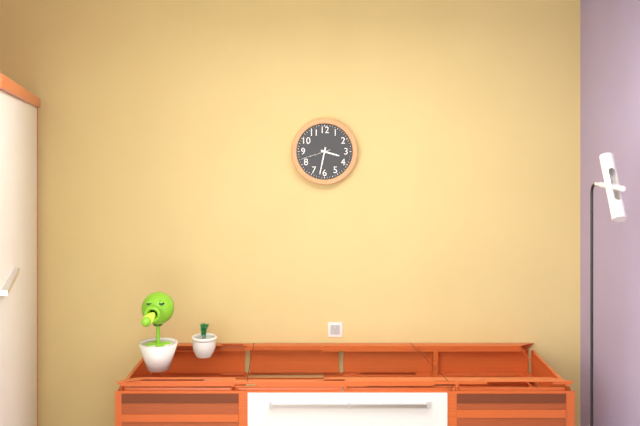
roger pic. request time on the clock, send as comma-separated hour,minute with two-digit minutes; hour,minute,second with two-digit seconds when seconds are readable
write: 3,32
